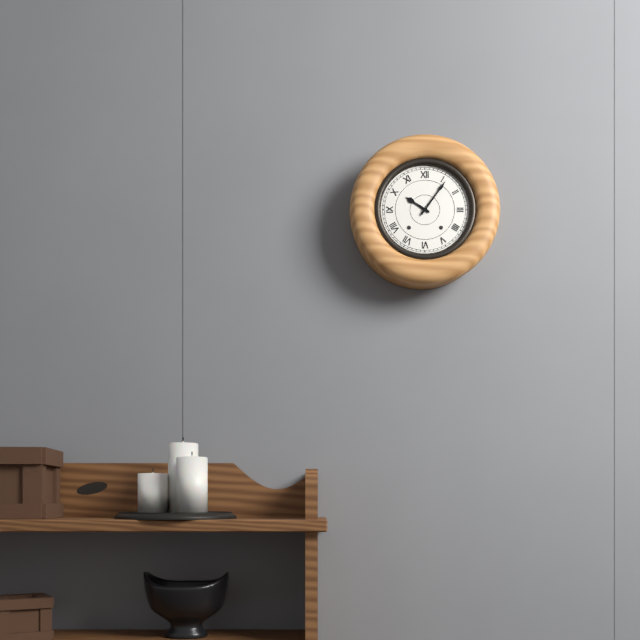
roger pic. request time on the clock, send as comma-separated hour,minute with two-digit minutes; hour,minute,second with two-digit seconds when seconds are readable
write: 10,06
